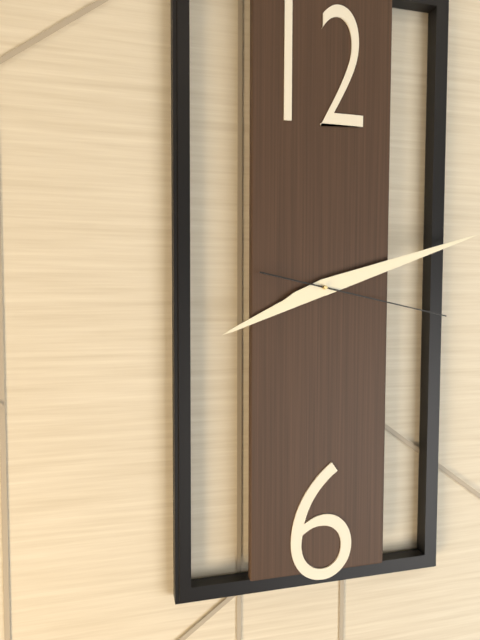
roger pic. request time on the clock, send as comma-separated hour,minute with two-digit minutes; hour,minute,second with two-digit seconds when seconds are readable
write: 8,12,17
